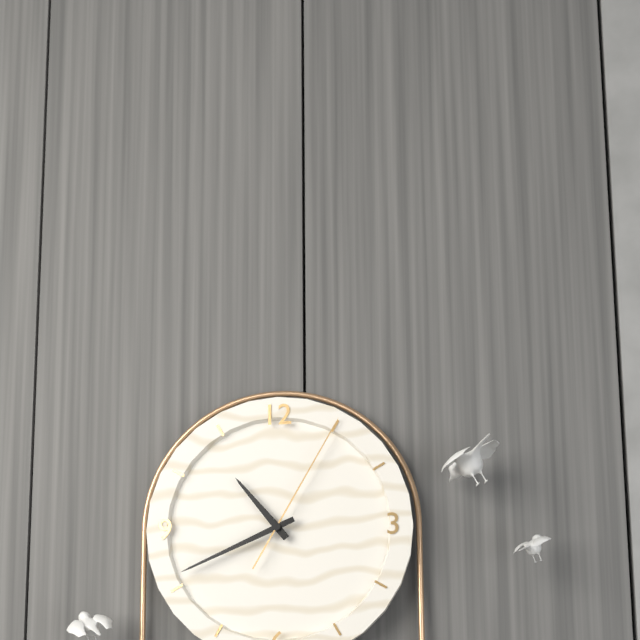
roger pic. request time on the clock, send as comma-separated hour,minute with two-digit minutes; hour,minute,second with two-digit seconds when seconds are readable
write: 10,41,05
